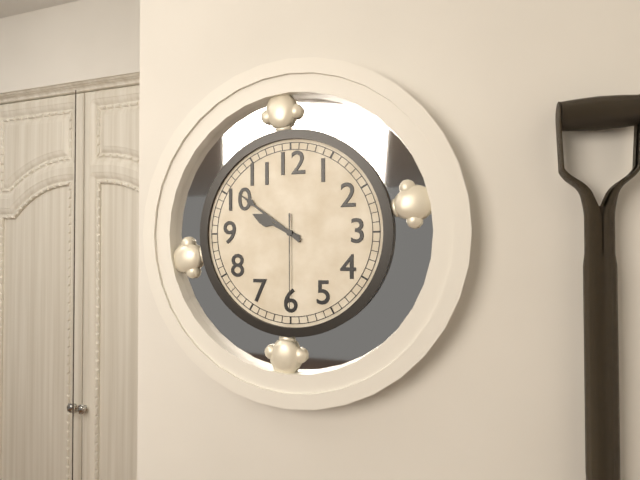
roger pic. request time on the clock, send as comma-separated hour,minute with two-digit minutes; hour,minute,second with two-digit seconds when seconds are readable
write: 9,51,30
